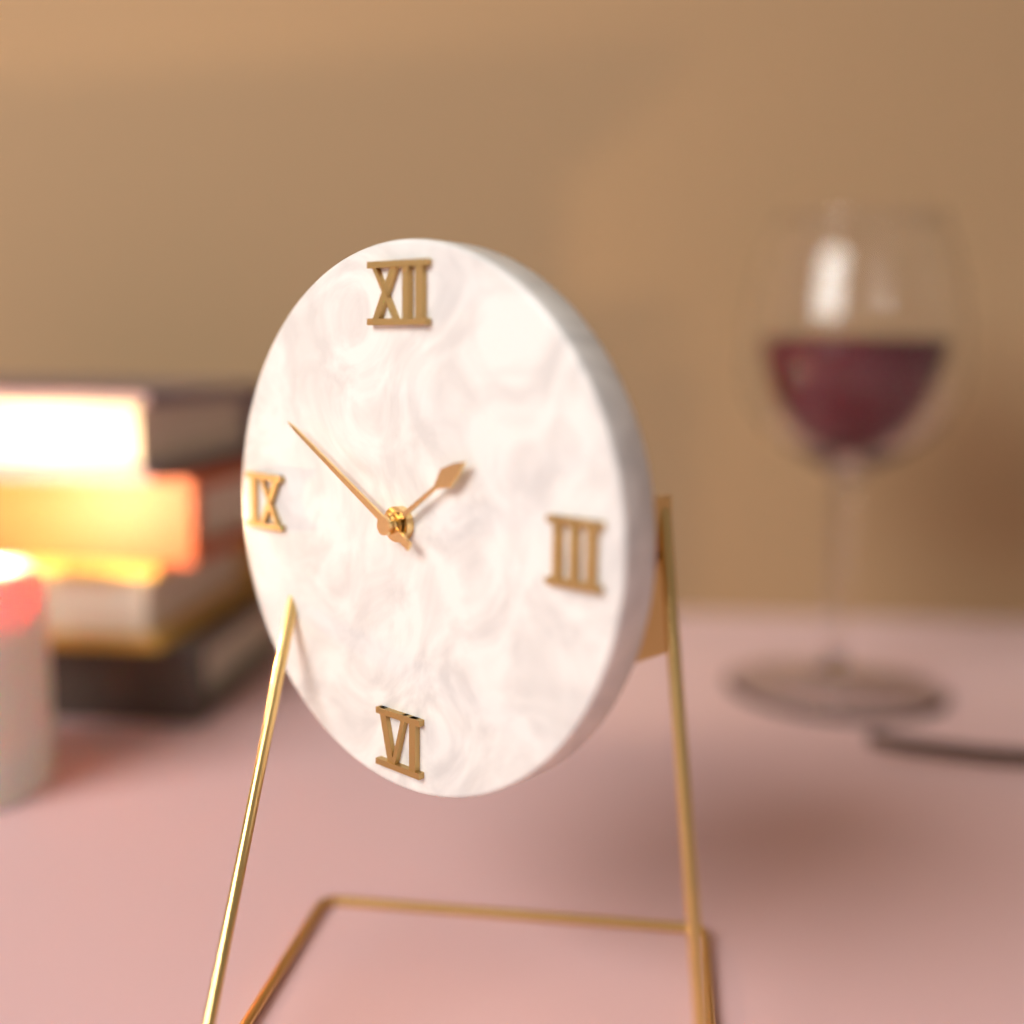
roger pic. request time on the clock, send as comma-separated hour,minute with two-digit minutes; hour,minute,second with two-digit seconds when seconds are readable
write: 1,50
